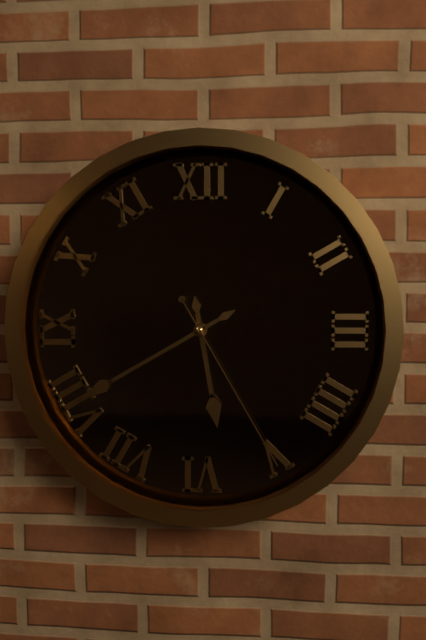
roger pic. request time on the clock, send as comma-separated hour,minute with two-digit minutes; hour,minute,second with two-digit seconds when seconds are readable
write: 5,40,25
